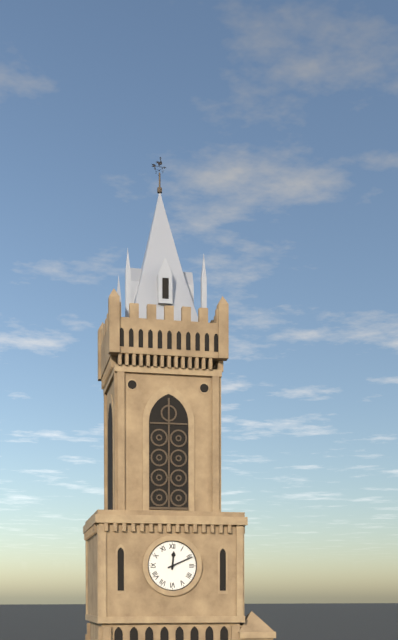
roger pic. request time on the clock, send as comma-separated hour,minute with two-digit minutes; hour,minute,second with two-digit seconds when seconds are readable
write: 12,11
